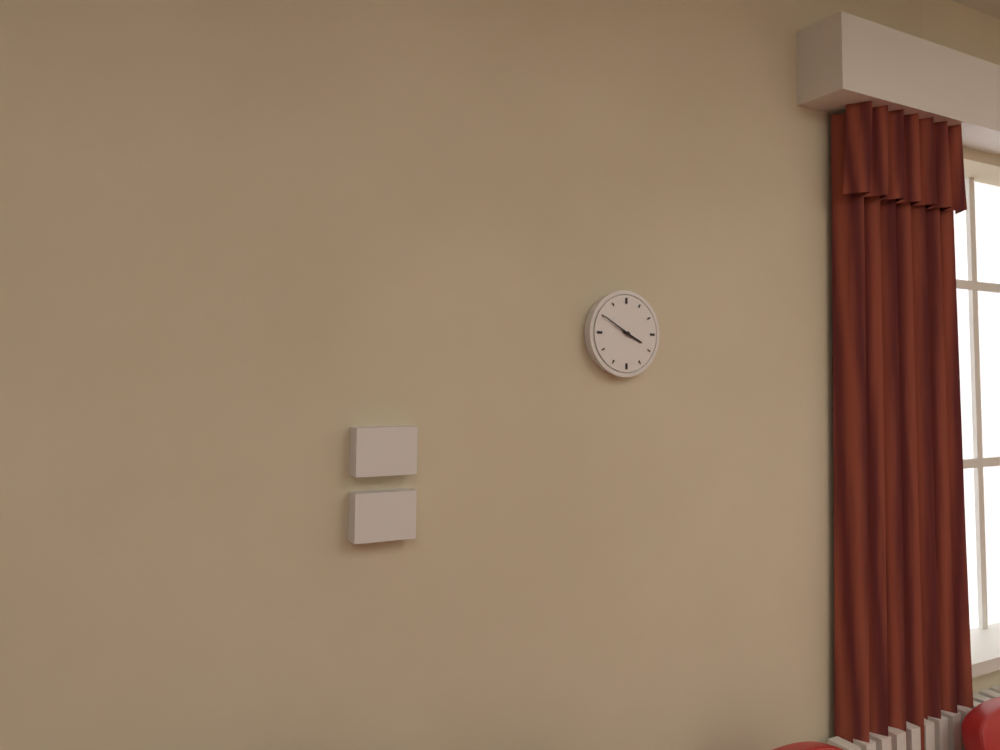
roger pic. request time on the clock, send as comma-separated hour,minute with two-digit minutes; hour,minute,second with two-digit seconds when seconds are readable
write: 3,50
